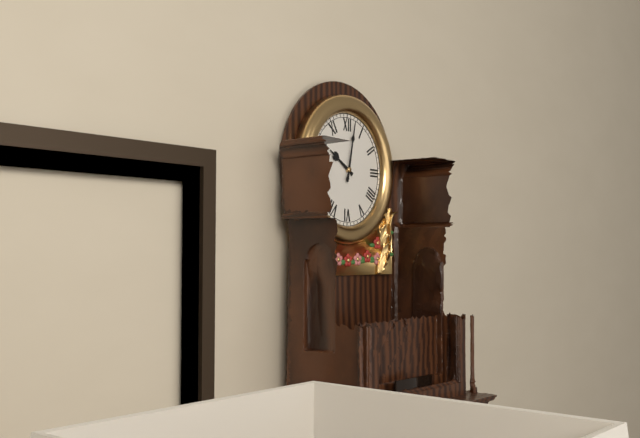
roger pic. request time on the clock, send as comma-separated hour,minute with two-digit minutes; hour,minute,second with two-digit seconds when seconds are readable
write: 10,02
